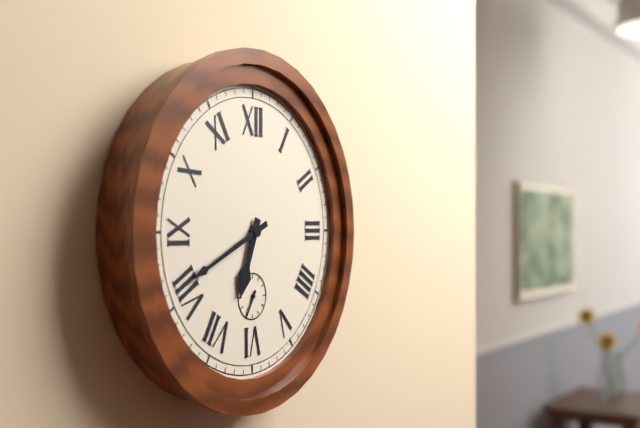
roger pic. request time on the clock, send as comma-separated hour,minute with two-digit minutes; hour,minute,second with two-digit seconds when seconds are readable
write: 6,41
